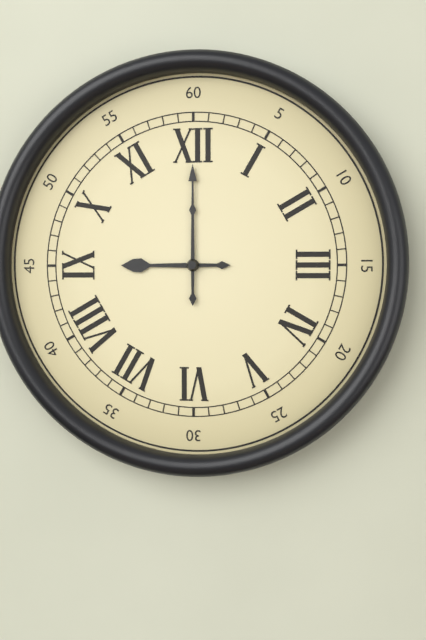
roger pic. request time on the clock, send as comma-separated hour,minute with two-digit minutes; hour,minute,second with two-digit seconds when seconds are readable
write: 9,00
